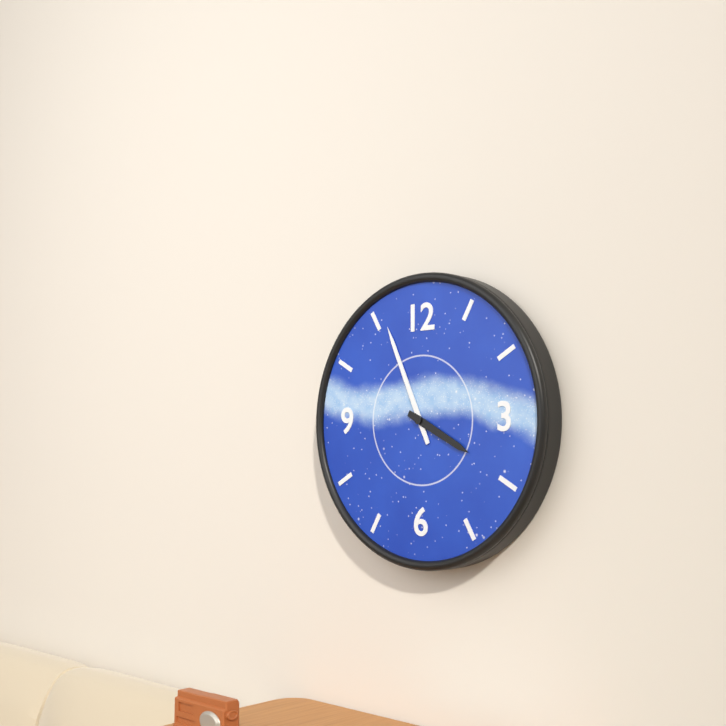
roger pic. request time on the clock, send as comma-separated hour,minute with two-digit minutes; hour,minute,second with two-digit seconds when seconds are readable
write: 3,56
